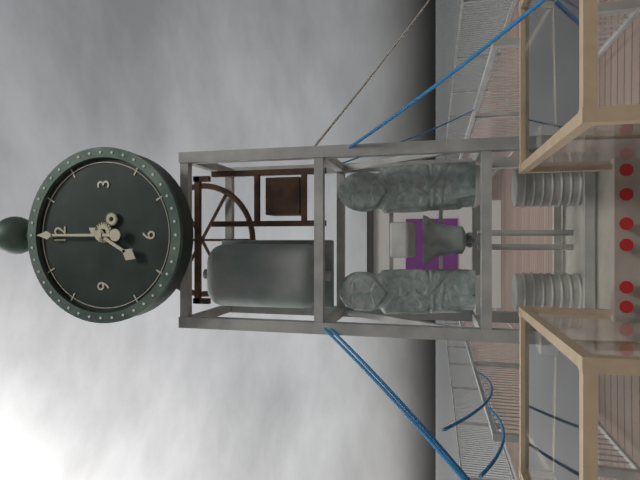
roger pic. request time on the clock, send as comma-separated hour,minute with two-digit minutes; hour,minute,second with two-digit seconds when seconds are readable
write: 7,00
